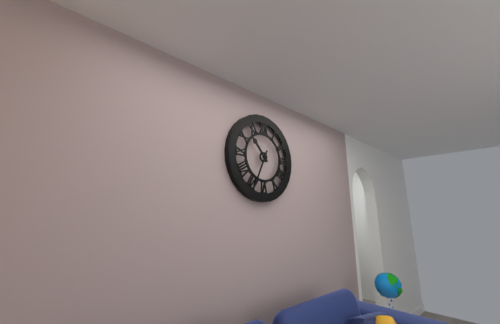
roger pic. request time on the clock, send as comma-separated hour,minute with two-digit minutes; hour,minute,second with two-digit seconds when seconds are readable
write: 10,34
